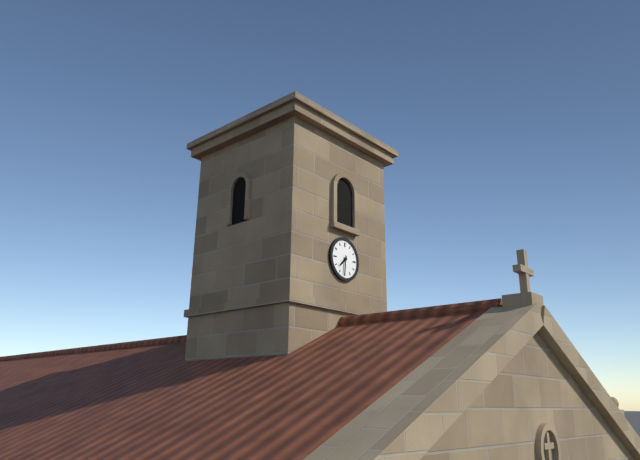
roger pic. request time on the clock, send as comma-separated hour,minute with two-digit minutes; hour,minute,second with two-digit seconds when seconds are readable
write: 7,31
